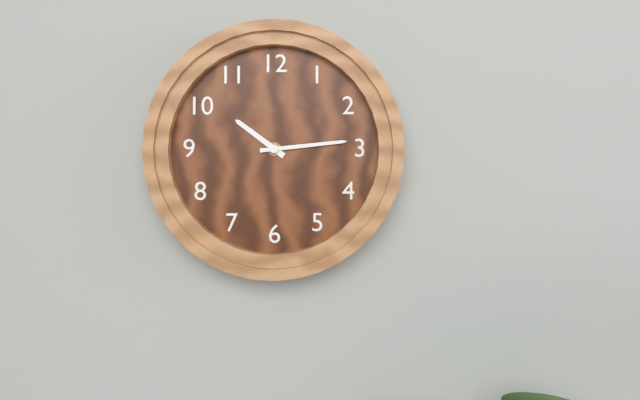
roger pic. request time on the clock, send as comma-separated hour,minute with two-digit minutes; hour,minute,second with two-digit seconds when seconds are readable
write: 10,14
